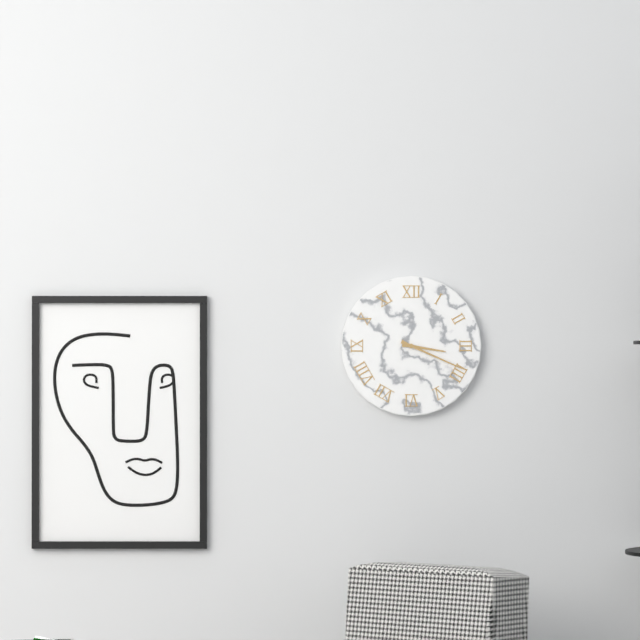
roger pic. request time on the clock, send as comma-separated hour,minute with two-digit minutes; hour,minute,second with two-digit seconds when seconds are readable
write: 3,19
